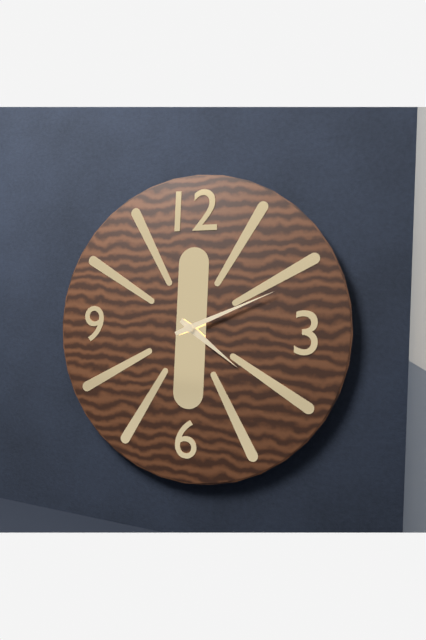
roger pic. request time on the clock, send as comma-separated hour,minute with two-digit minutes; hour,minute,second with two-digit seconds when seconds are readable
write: 4,11
